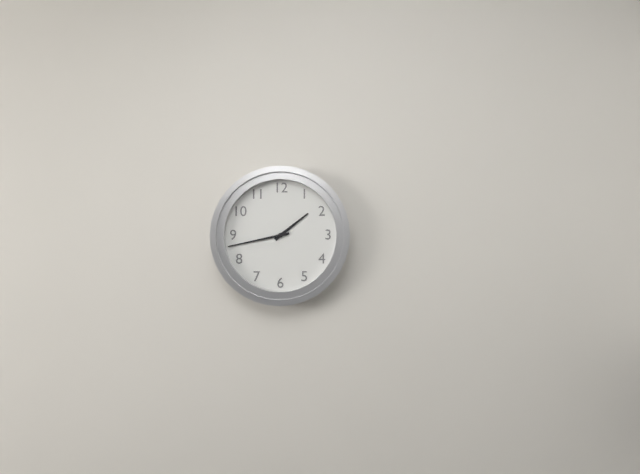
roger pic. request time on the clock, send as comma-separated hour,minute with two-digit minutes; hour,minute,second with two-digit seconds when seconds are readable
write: 1,43
